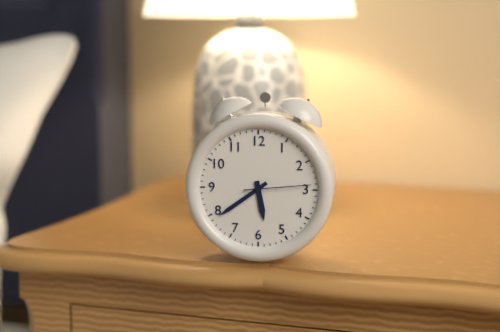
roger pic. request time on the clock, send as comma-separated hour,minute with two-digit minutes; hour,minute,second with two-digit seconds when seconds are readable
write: 5,39,14
